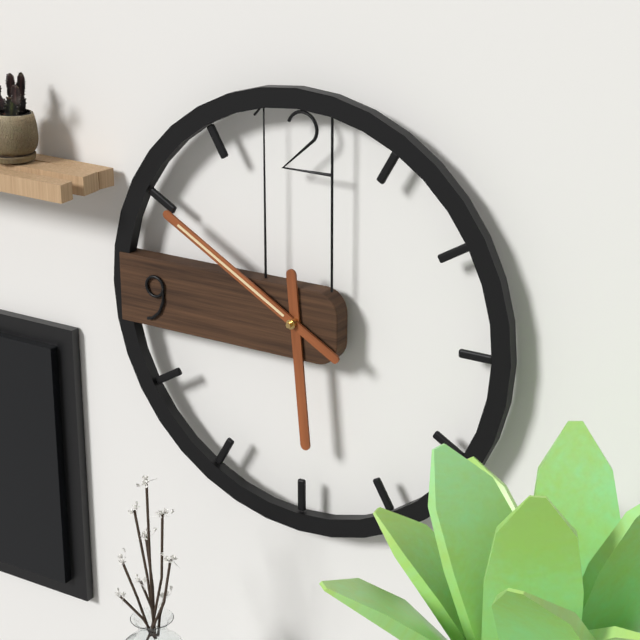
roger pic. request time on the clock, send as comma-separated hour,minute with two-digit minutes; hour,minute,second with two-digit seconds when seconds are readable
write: 5,50
